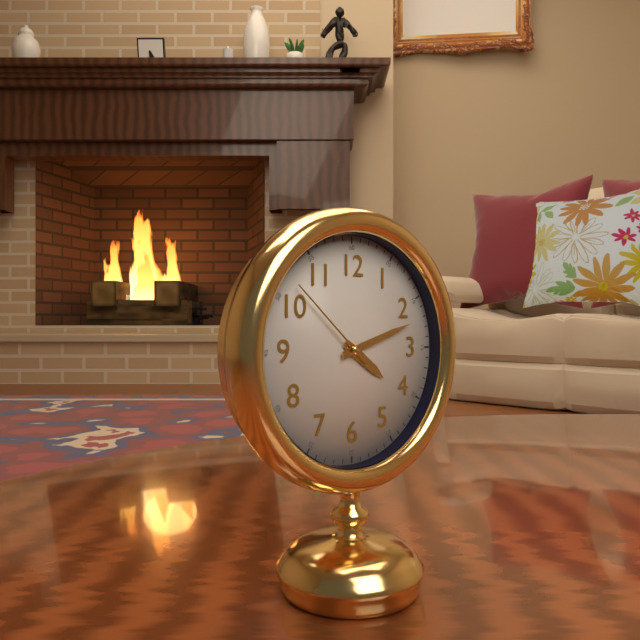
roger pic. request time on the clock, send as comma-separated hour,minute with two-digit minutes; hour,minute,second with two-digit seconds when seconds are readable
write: 4,12,52
